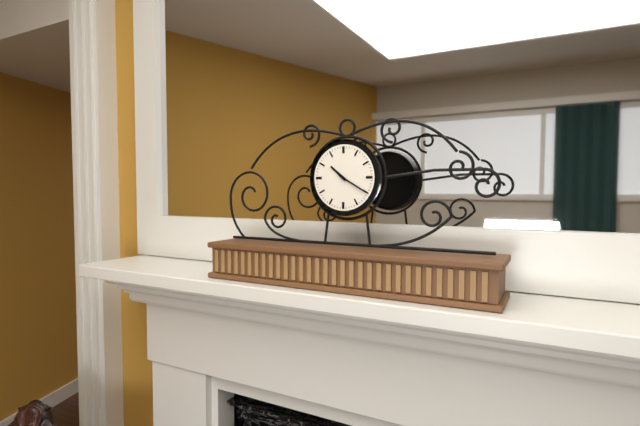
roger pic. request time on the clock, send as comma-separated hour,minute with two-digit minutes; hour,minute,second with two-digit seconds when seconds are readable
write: 10,20
